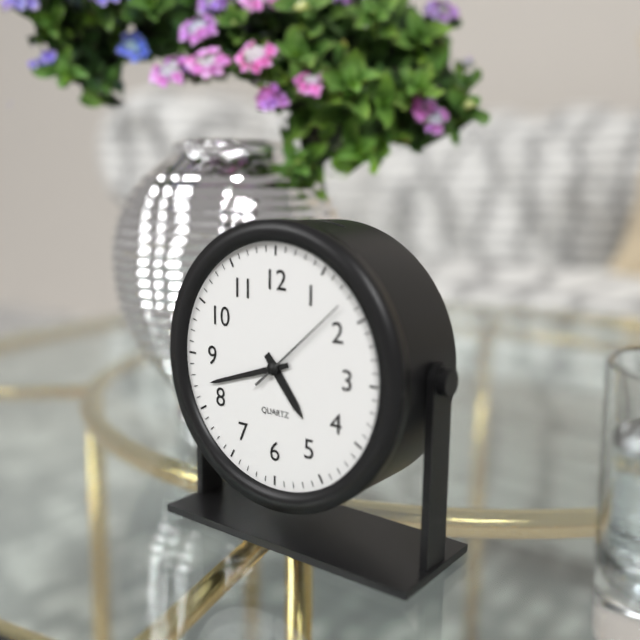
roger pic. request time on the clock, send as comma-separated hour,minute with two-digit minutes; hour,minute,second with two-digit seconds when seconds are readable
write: 4,42,08
